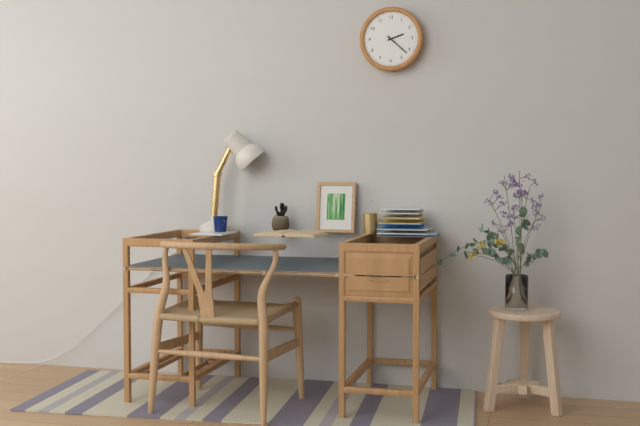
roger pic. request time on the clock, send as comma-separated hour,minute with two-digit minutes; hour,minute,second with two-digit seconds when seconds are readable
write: 2,22
